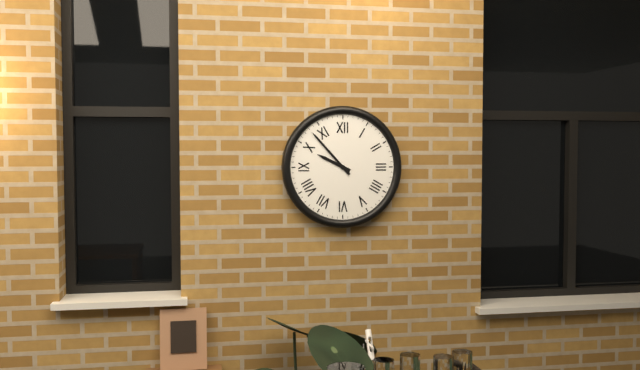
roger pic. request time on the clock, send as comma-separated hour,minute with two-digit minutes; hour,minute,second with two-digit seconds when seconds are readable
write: 9,53
